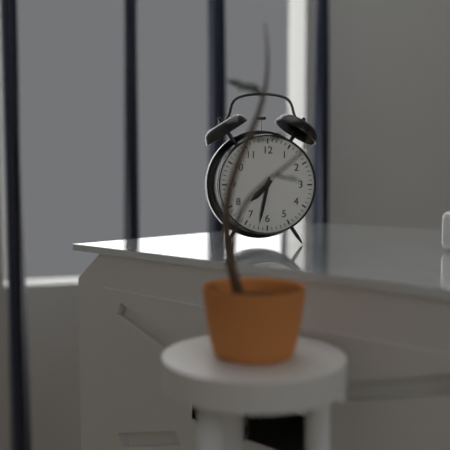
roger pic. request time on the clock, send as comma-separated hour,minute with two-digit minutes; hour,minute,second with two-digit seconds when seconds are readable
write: 7,32
